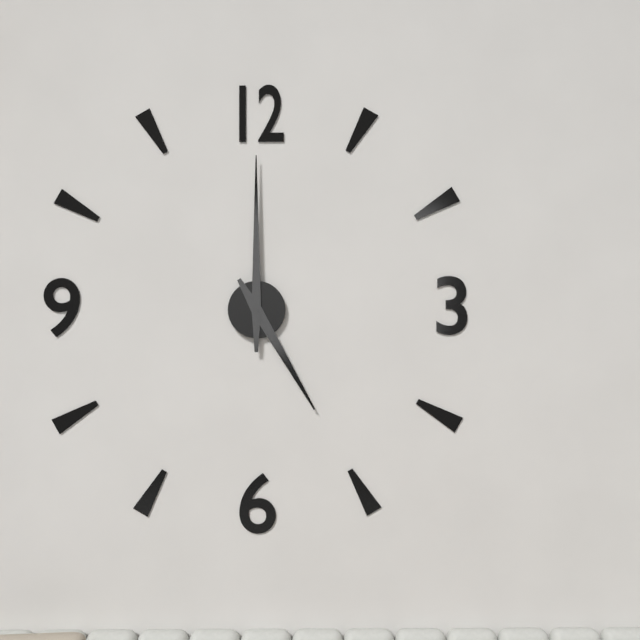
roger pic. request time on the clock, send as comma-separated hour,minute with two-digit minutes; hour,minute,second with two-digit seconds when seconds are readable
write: 5,00
